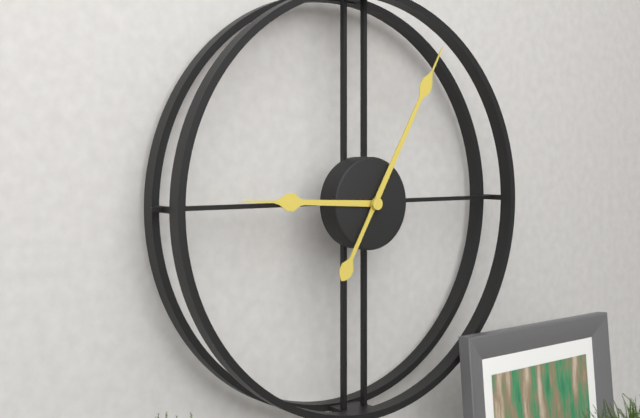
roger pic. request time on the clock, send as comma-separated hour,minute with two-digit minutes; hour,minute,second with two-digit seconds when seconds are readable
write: 9,05
